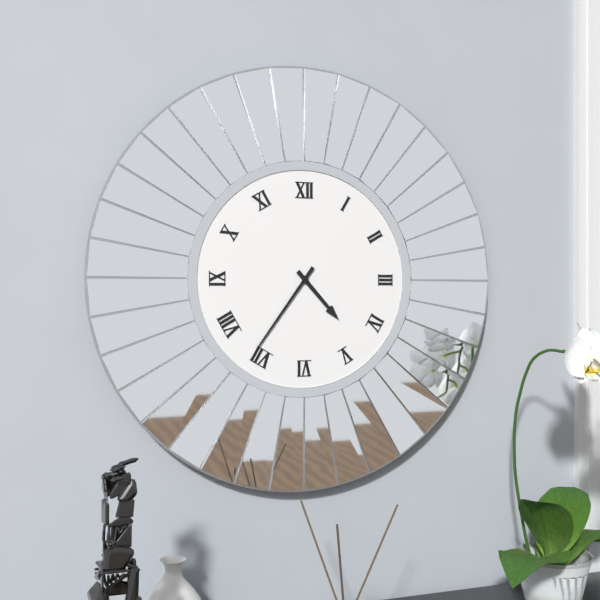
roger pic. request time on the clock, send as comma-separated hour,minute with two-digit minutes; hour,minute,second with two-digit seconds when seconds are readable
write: 4,36
